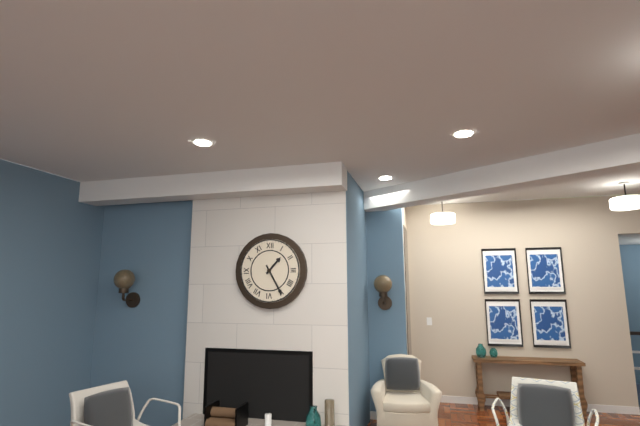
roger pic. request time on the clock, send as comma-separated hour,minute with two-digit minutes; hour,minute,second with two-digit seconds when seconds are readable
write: 1,25
